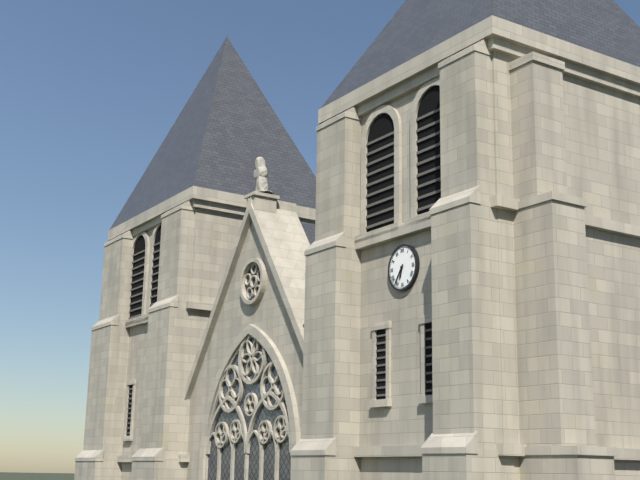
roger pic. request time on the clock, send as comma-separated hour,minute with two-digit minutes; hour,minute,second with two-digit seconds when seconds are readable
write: 6,36
